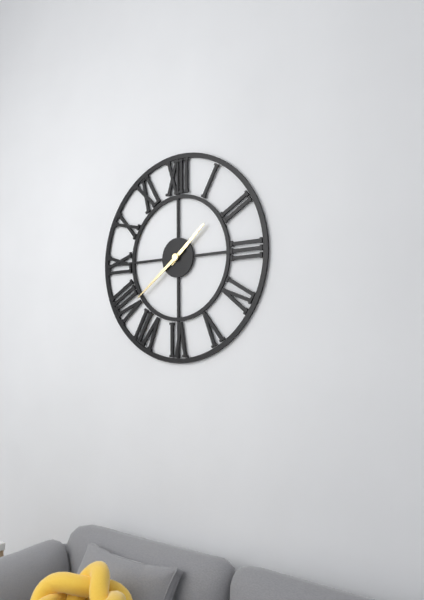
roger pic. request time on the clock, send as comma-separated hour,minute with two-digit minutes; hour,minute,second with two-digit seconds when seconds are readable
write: 1,39
